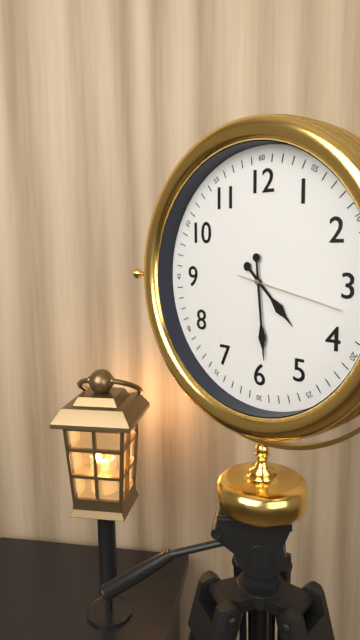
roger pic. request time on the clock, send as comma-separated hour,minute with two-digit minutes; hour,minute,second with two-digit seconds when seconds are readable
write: 4,29,17
